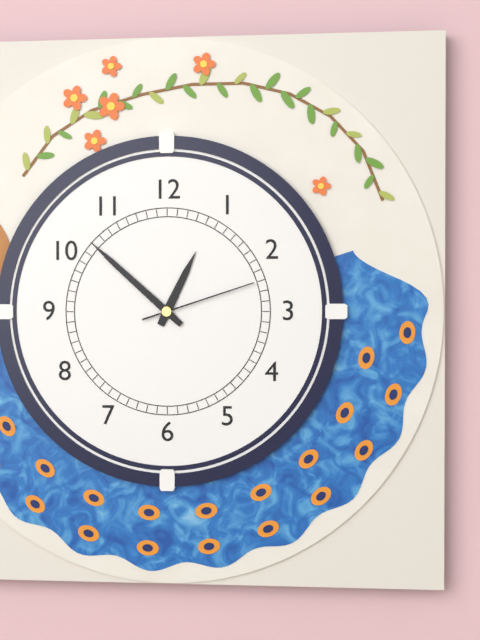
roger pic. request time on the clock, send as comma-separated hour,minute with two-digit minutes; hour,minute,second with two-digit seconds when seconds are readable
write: 12,52,12
